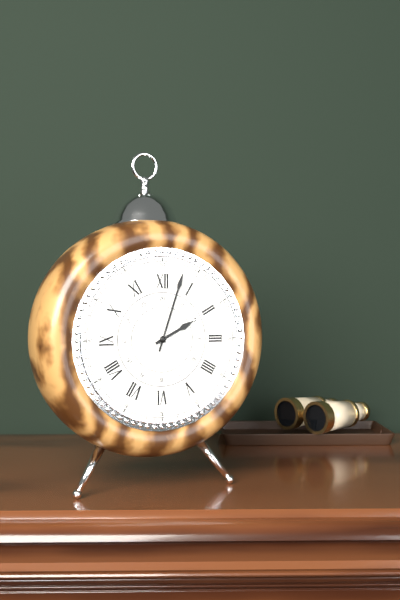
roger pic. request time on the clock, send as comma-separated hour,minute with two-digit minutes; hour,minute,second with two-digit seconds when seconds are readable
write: 2,03
